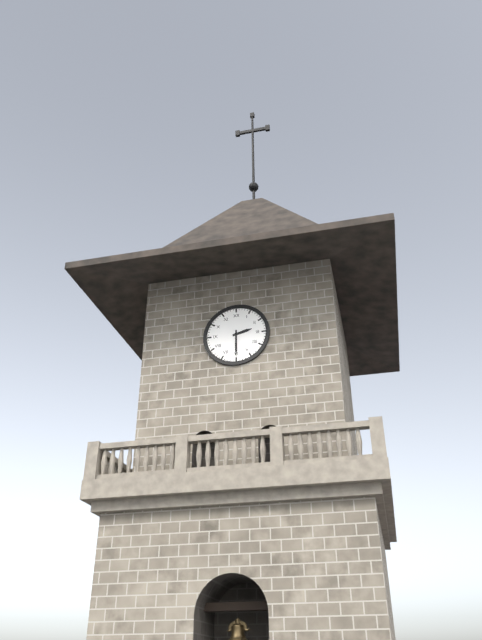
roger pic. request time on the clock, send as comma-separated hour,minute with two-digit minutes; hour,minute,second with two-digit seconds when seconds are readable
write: 2,30
